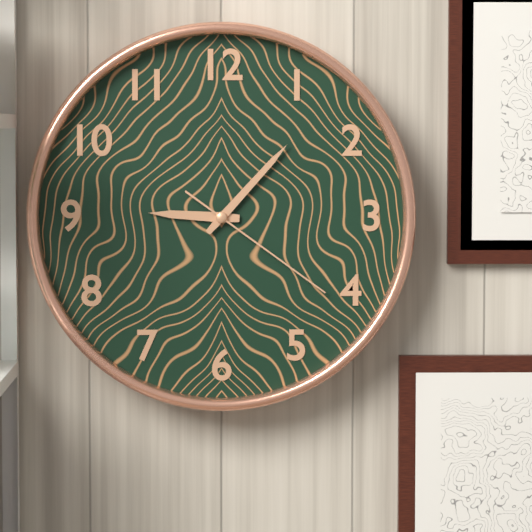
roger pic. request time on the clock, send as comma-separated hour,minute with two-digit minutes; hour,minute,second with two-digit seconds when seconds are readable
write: 9,07,21
